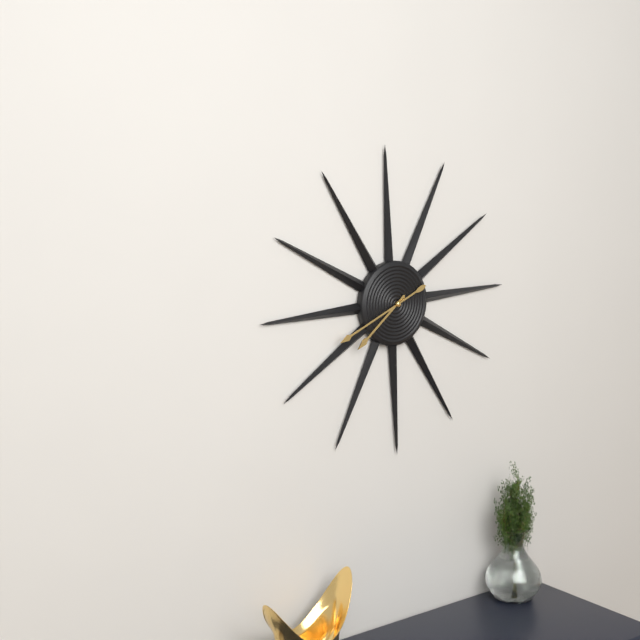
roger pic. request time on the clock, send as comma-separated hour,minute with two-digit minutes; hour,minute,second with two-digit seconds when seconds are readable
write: 7,41
